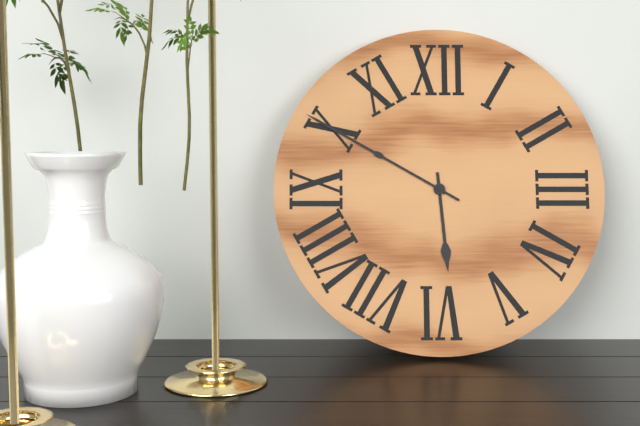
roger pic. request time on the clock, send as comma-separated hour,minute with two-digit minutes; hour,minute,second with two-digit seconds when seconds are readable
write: 5,50
